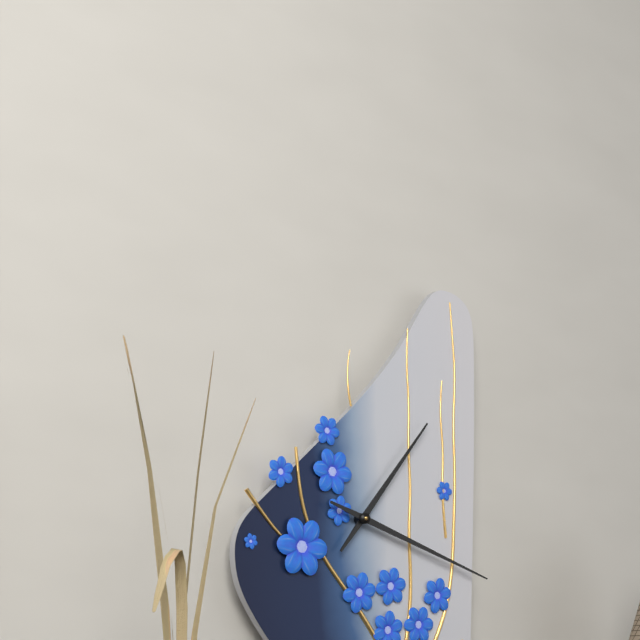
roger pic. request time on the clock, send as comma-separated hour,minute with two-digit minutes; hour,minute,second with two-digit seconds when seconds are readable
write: 1,18
